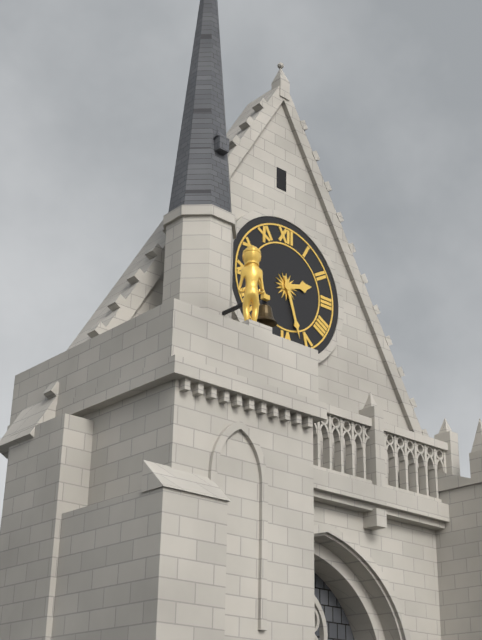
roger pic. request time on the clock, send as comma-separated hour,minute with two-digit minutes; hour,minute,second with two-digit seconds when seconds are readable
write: 2,27
